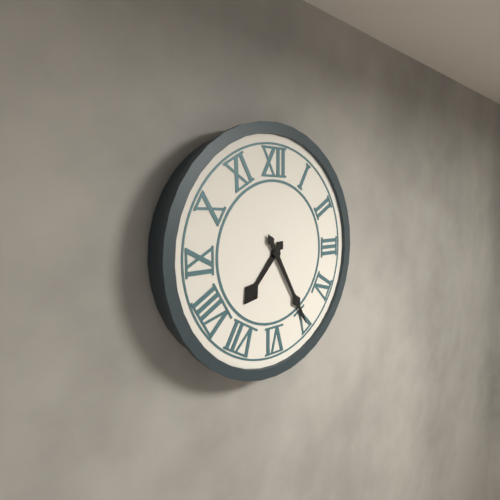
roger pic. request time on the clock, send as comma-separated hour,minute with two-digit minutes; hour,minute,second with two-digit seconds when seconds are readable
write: 7,25
